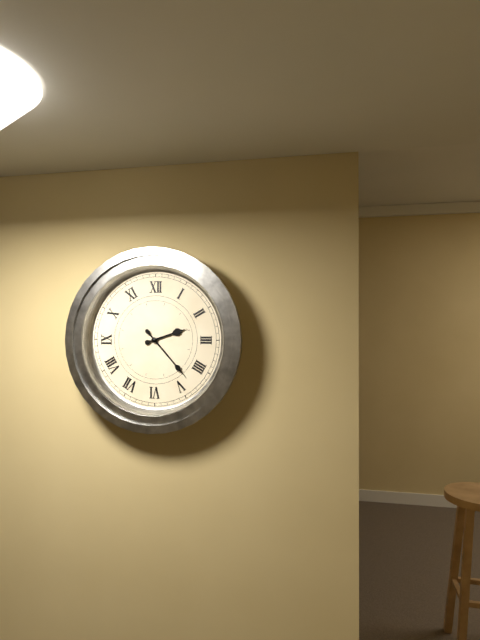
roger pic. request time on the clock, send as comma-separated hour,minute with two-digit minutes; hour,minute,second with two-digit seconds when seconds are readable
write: 2,23
